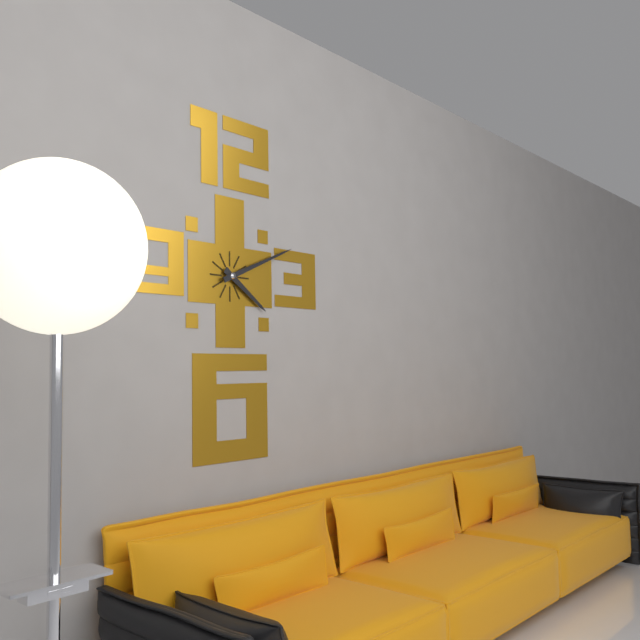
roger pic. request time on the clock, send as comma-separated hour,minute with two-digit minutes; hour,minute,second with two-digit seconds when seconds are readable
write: 4,11
